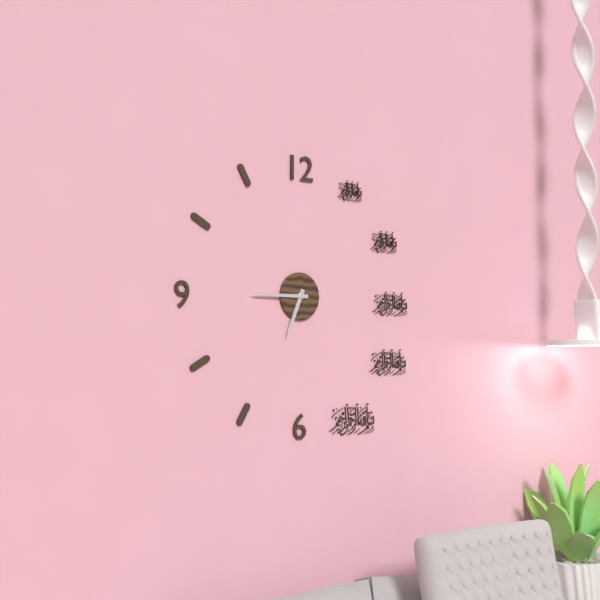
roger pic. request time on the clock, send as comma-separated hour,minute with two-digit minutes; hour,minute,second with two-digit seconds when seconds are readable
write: 6,45
